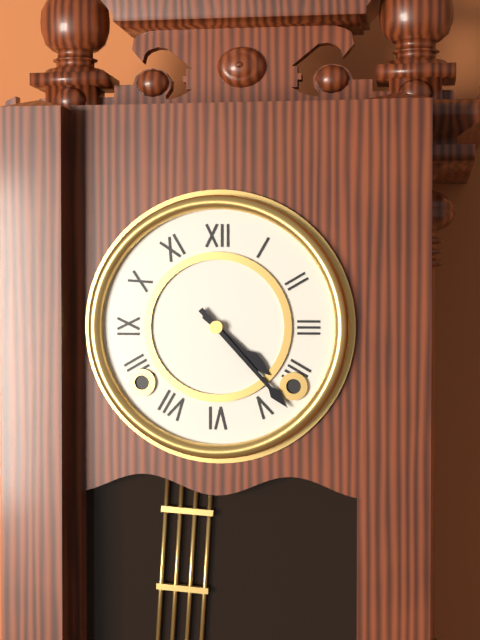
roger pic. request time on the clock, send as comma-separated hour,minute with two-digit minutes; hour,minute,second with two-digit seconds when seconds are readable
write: 4,23
